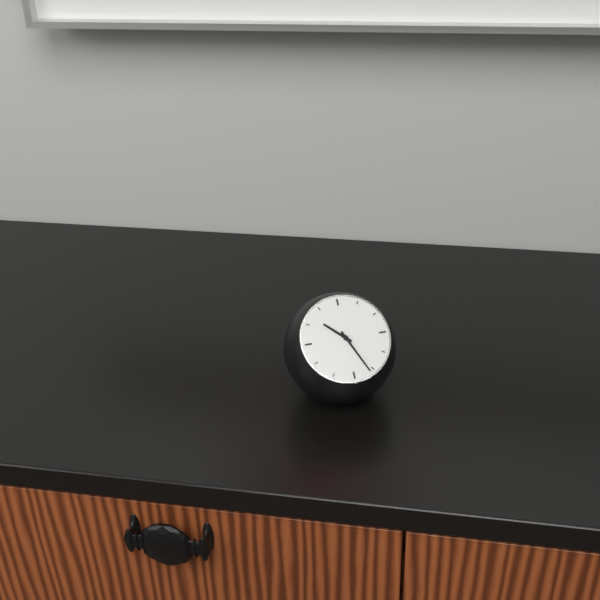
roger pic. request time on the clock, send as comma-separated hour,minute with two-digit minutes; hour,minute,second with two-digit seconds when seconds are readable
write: 10,26
